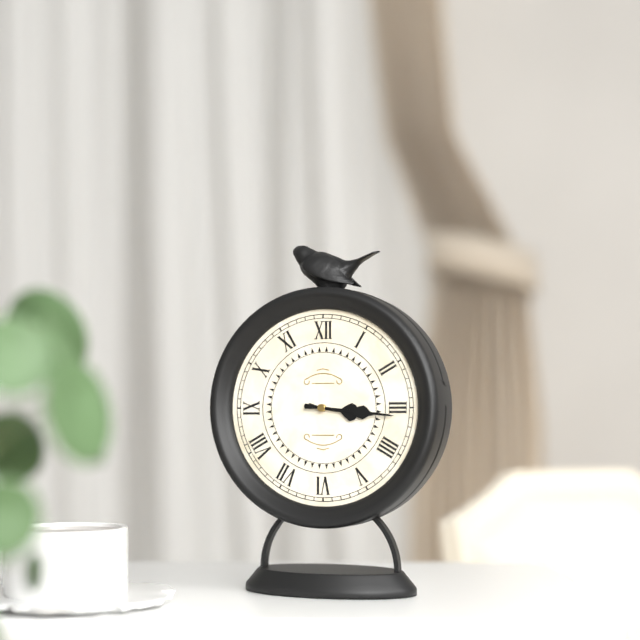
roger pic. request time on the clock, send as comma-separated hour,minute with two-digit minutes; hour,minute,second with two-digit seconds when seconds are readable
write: 3,16
